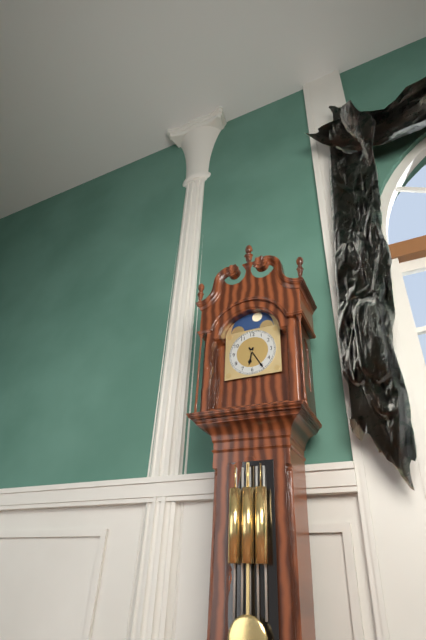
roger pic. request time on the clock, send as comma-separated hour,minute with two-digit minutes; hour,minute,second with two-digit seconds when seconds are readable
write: 6,25
